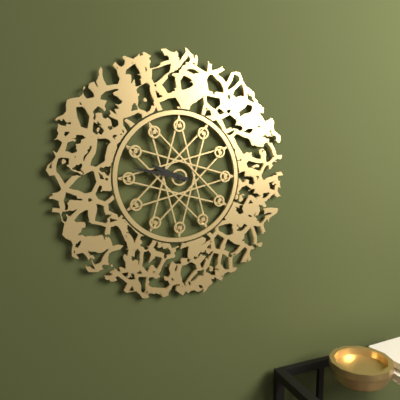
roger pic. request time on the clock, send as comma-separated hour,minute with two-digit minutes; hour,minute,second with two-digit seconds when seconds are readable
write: 9,47
